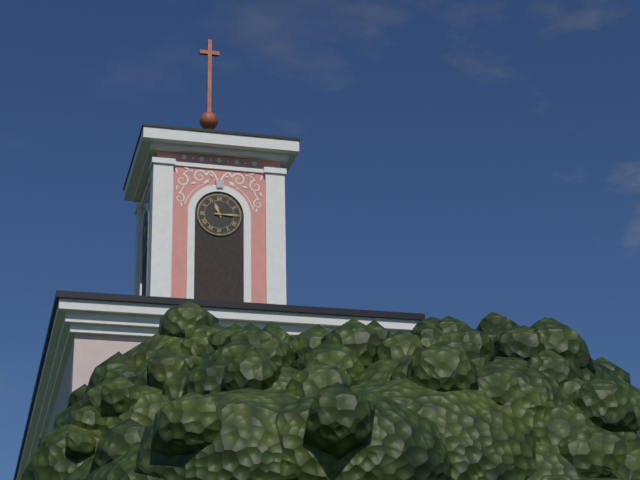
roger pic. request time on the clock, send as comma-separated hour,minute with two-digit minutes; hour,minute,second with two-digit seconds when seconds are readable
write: 11,15
